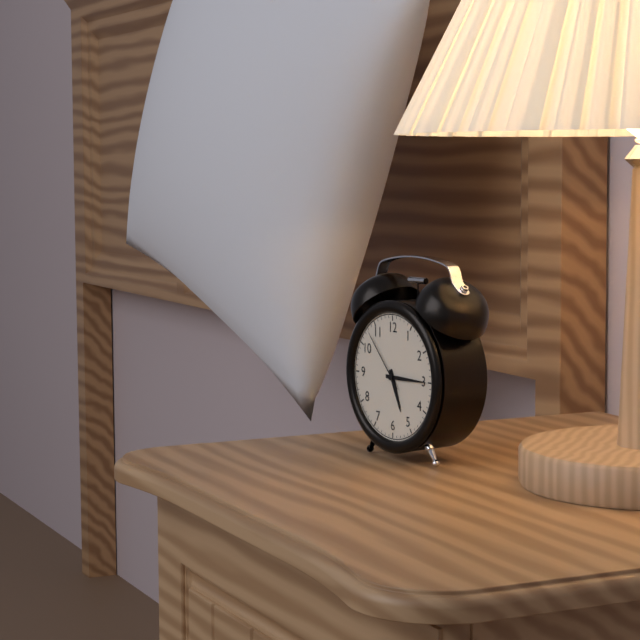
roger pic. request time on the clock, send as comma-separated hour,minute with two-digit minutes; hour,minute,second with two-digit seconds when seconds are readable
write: 5,15,53
